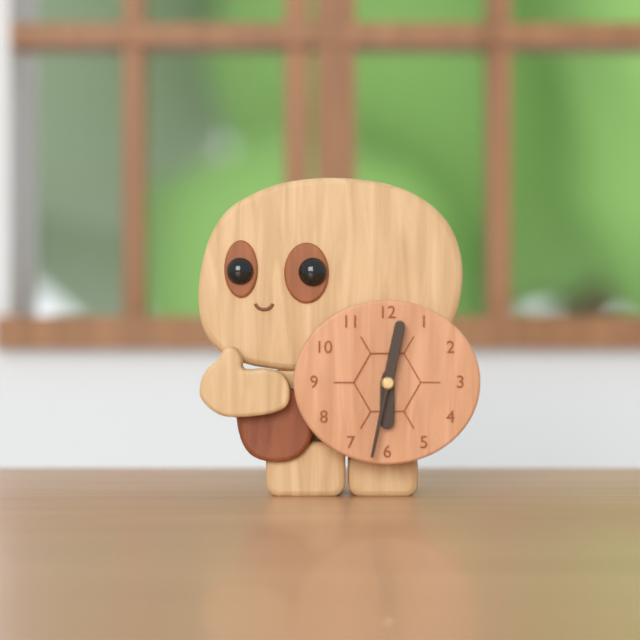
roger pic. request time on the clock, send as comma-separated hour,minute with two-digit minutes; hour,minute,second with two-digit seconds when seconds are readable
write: 6,02
